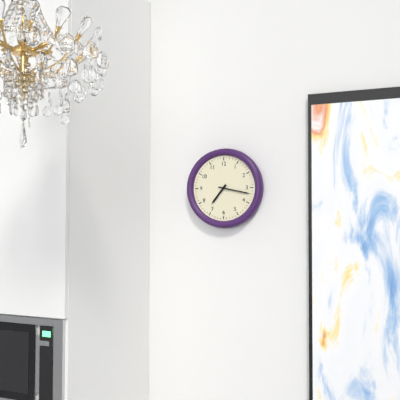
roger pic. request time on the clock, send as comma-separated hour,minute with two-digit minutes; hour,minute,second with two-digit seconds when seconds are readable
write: 7,17
